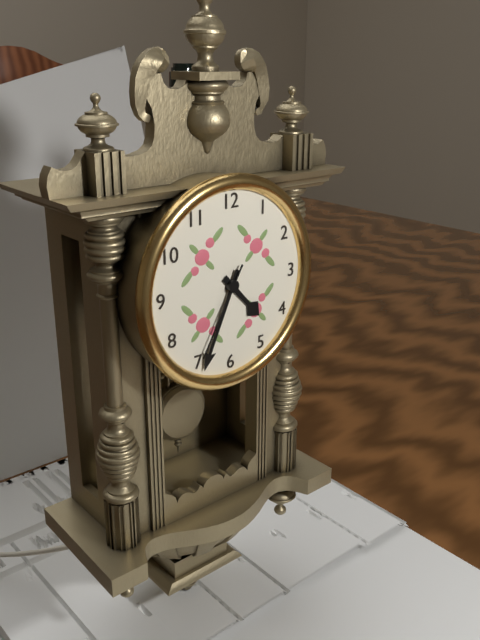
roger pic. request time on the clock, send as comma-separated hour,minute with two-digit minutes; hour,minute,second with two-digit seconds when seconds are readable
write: 4,34,35
